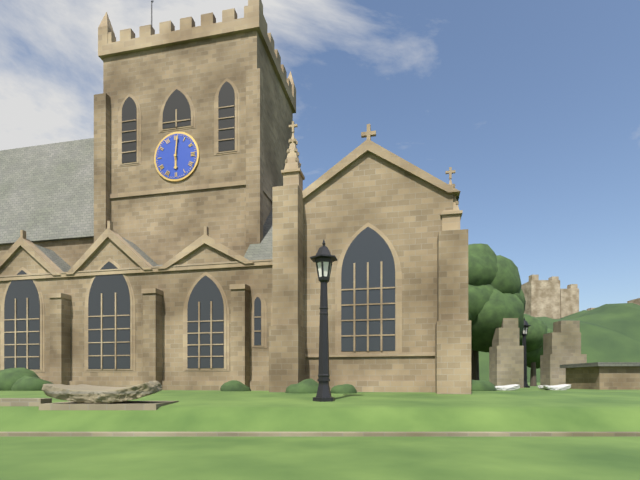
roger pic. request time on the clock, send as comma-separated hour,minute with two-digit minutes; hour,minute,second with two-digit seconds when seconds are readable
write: 6,01
